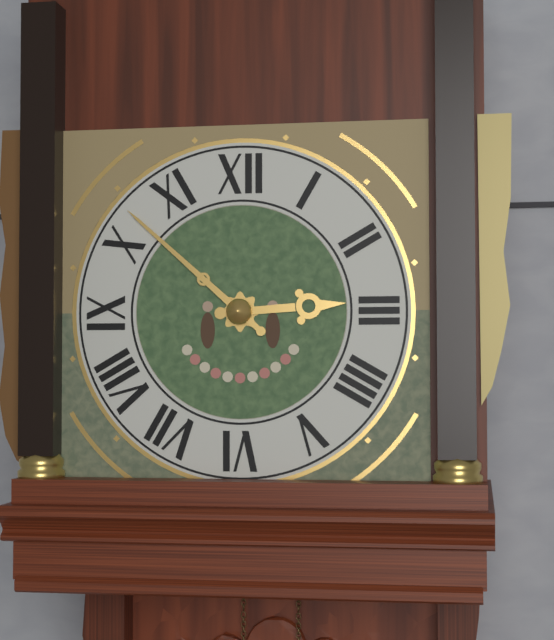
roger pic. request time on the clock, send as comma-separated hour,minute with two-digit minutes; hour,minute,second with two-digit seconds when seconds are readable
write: 2,52
